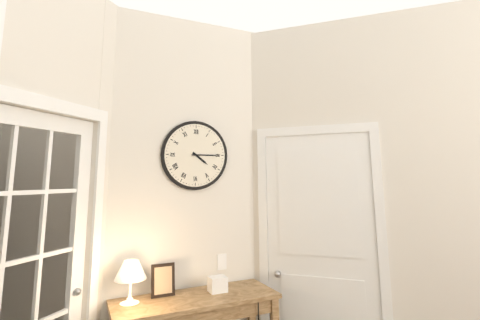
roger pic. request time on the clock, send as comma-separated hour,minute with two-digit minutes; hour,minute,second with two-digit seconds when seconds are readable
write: 4,15
